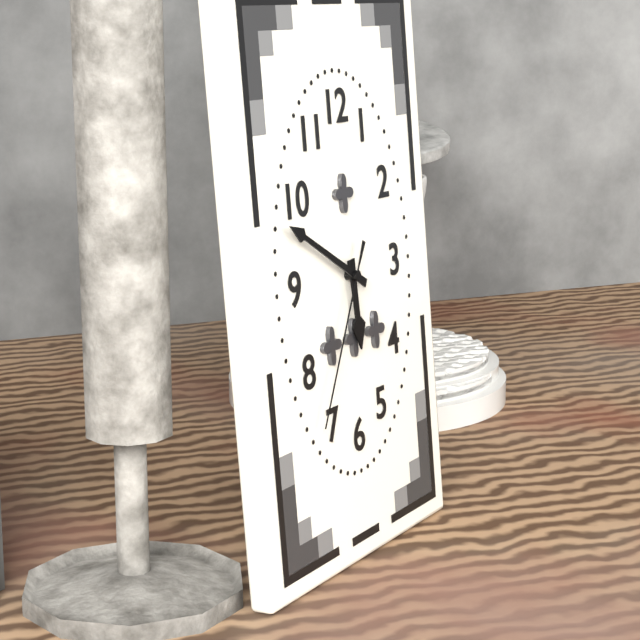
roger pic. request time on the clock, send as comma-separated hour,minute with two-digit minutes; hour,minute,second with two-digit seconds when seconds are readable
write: 5,50,35
